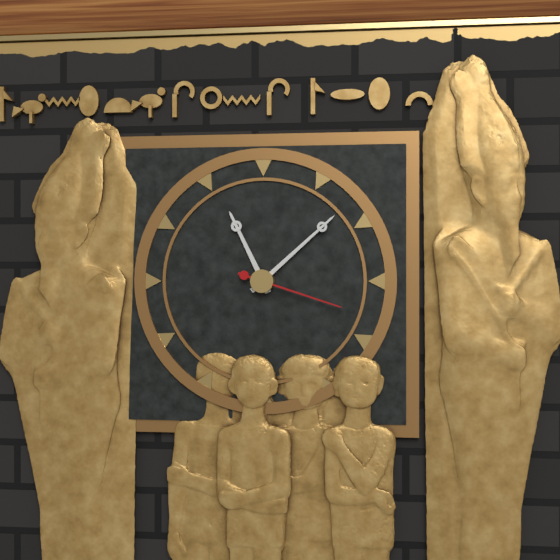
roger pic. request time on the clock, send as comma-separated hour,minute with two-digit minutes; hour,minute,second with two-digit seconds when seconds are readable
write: 11,08,18
